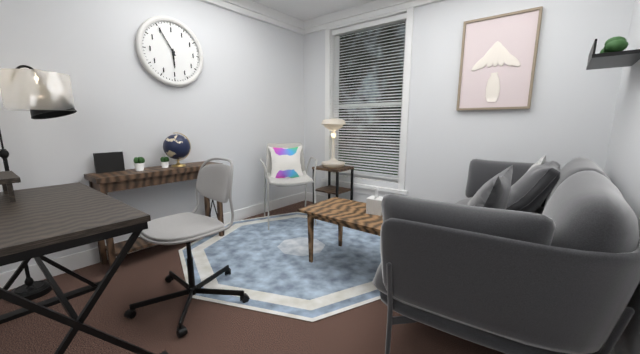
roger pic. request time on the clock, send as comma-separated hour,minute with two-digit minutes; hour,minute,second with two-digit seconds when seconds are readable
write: 5,55
